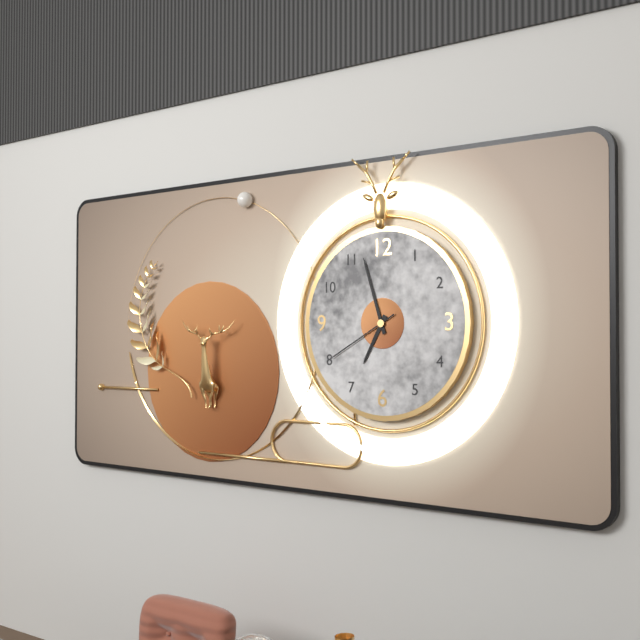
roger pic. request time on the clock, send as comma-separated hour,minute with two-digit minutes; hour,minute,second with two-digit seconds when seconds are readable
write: 6,57,40
